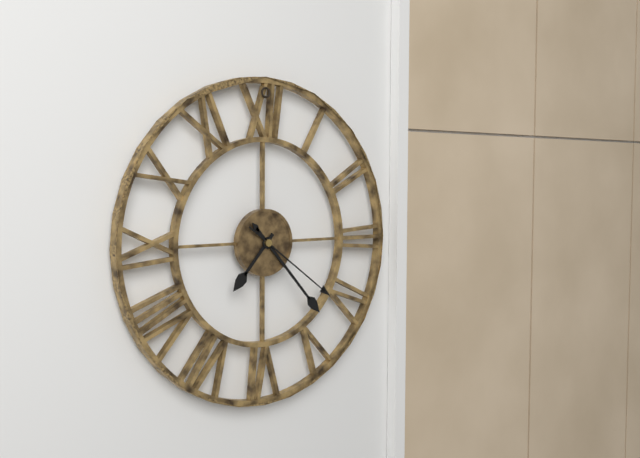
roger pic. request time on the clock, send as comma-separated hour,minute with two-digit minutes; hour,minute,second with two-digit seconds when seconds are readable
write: 7,23,21
